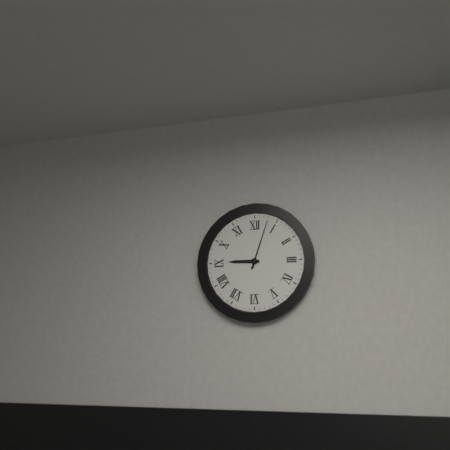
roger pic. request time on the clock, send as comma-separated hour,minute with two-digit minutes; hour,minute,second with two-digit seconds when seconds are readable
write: 9,03
